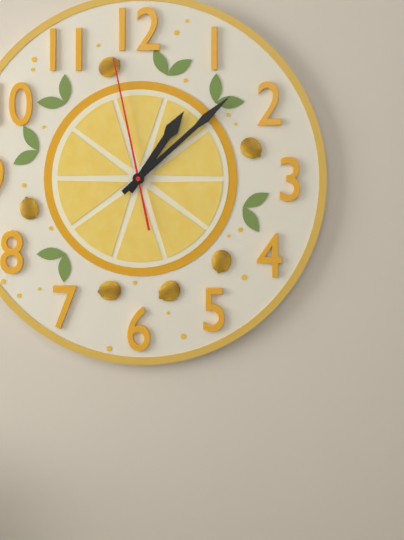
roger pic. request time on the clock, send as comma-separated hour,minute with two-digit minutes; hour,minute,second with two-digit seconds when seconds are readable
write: 1,08,58
